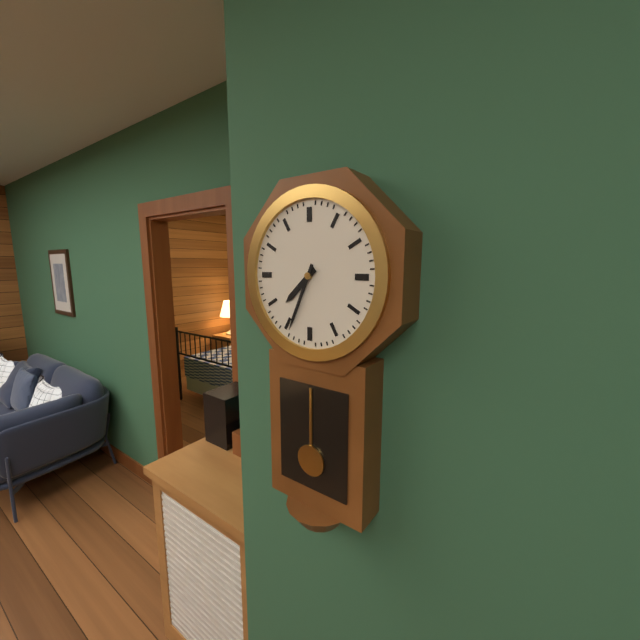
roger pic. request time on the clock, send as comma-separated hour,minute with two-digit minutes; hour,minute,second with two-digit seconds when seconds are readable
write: 7,34
